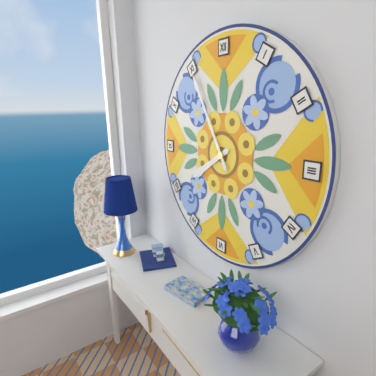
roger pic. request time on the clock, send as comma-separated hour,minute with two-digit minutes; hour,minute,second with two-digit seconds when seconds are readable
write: 7,55
